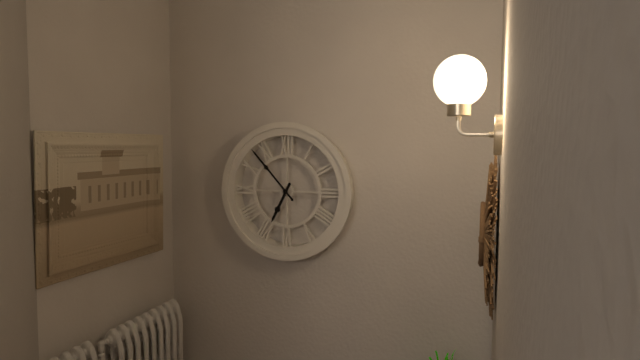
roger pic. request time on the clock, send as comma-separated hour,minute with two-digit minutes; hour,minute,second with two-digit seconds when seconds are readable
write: 6,53
